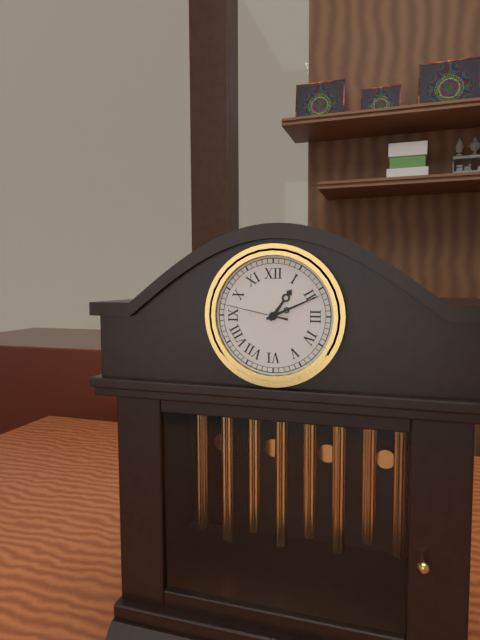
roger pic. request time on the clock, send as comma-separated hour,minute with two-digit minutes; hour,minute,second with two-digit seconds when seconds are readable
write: 1,11,47
